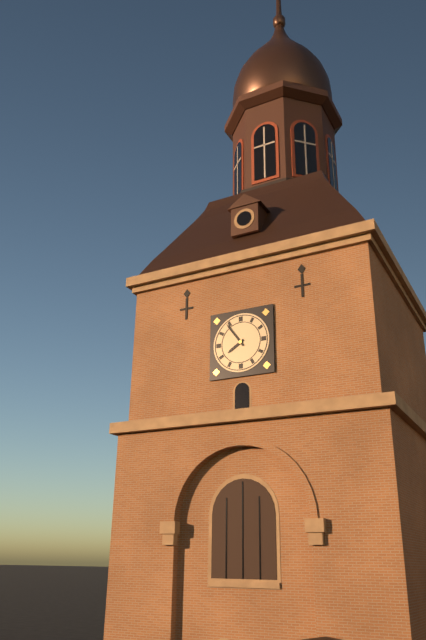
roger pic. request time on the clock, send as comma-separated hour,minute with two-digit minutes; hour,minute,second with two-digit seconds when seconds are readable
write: 7,54
